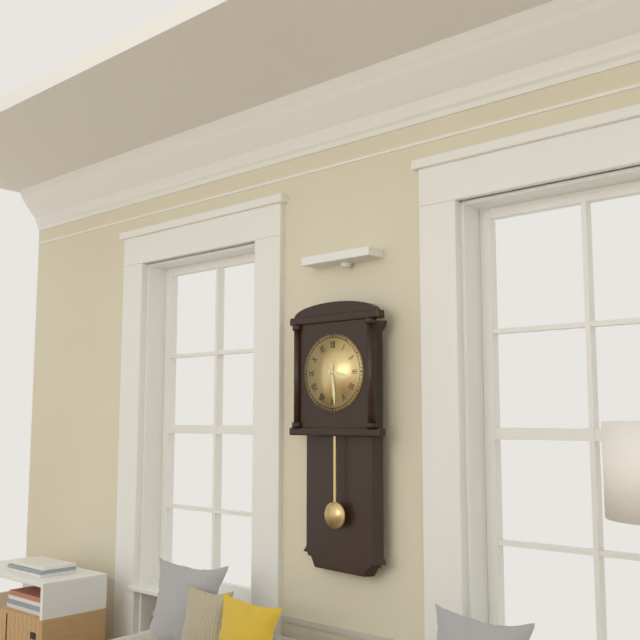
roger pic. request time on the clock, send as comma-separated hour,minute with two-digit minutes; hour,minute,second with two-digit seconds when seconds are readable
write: 3,29
